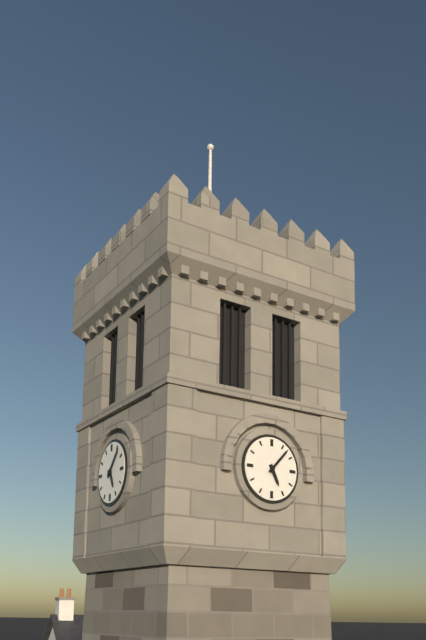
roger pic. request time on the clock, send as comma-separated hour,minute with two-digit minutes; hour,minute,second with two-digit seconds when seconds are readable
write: 5,07
